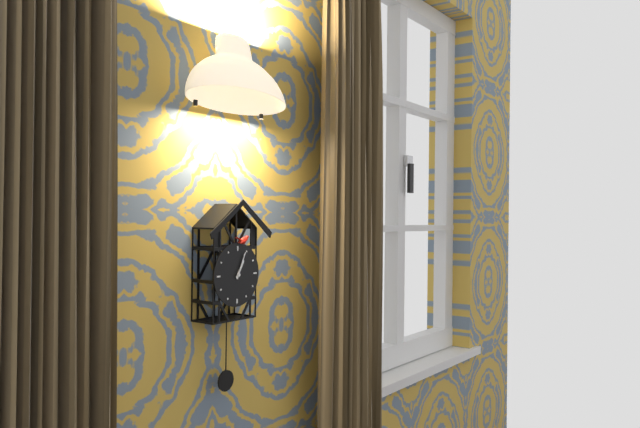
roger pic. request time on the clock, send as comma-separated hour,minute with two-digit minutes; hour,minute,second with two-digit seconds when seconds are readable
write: 1,04
